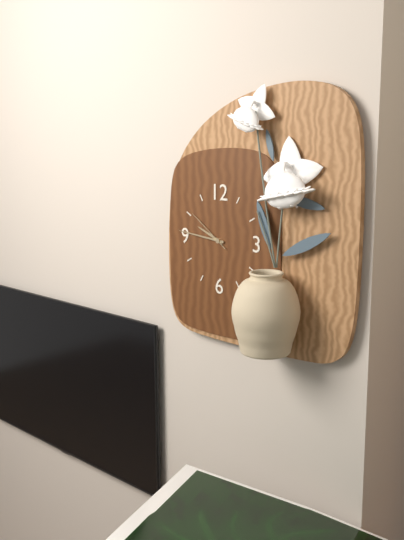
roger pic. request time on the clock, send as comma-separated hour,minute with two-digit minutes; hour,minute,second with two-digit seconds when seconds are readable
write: 9,46,51
